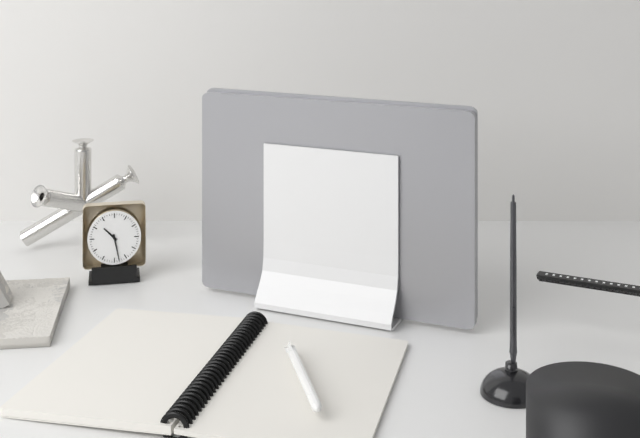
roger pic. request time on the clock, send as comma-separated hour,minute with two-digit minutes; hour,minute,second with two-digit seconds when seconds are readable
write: 10,28
